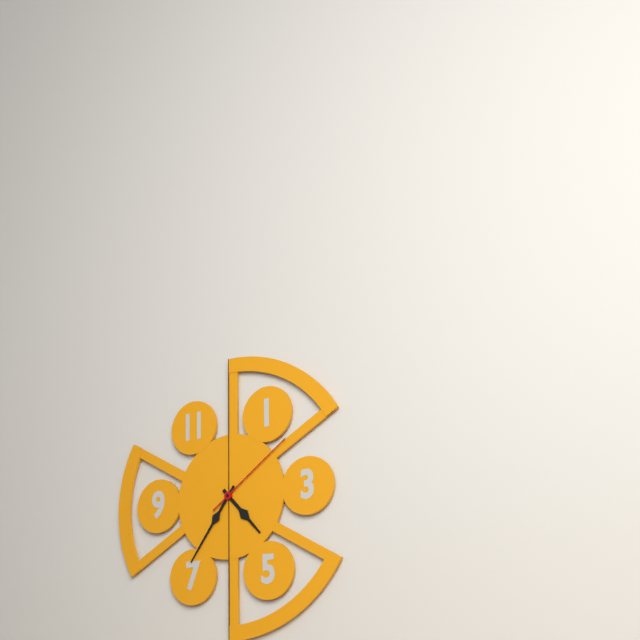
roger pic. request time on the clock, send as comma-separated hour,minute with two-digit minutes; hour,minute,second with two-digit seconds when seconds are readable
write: 4,36,09
